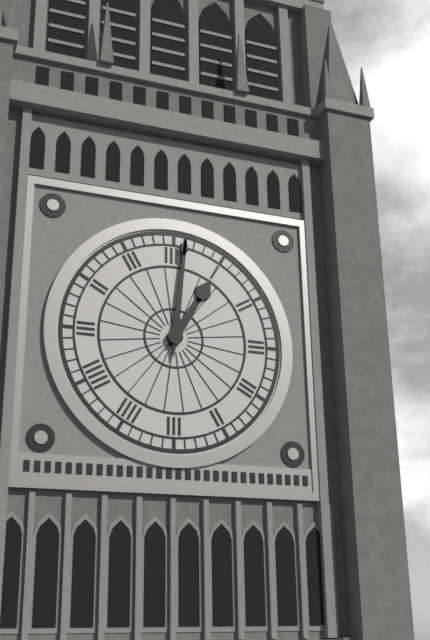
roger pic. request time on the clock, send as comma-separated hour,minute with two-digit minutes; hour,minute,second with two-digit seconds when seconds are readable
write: 1,01
